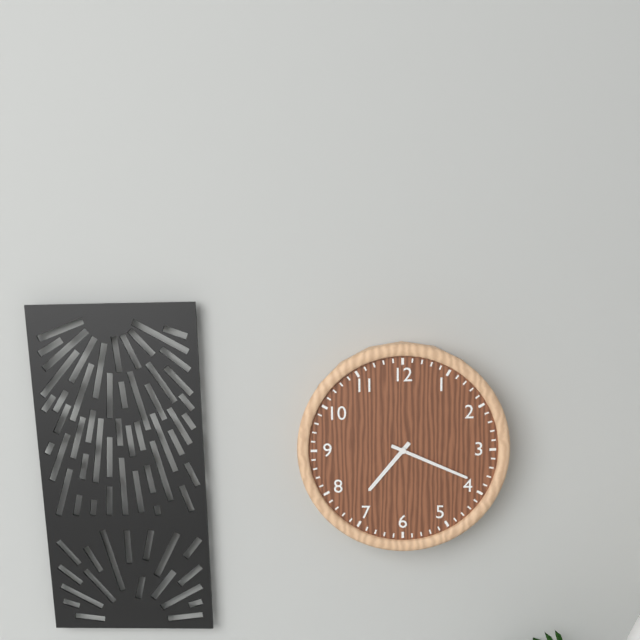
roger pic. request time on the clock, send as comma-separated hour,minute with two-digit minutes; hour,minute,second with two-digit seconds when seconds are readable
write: 7,19
